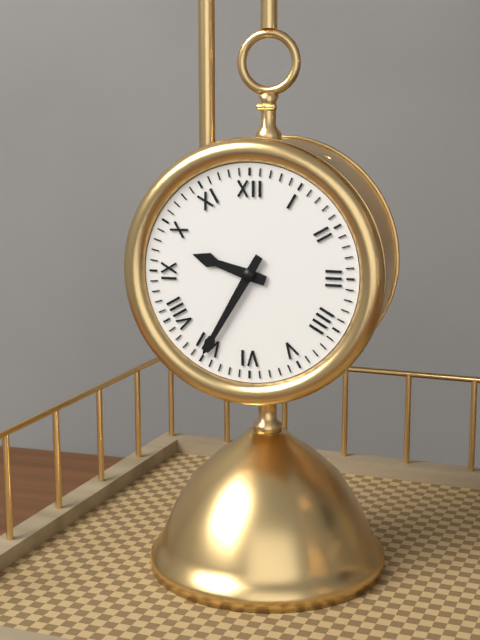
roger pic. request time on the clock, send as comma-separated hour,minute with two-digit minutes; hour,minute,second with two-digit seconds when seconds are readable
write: 9,35
